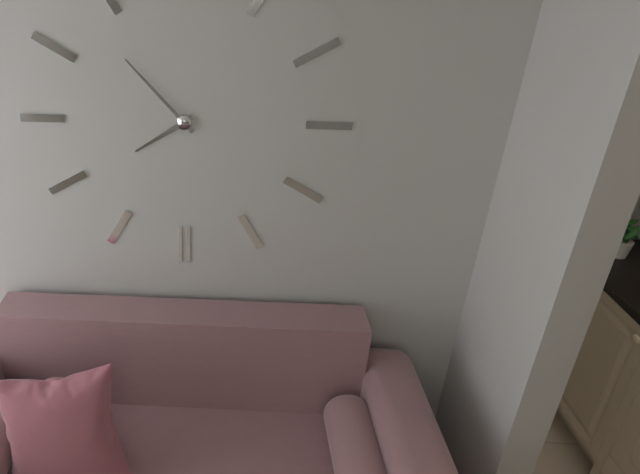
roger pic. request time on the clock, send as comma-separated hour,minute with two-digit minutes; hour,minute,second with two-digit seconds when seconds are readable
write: 7,53
